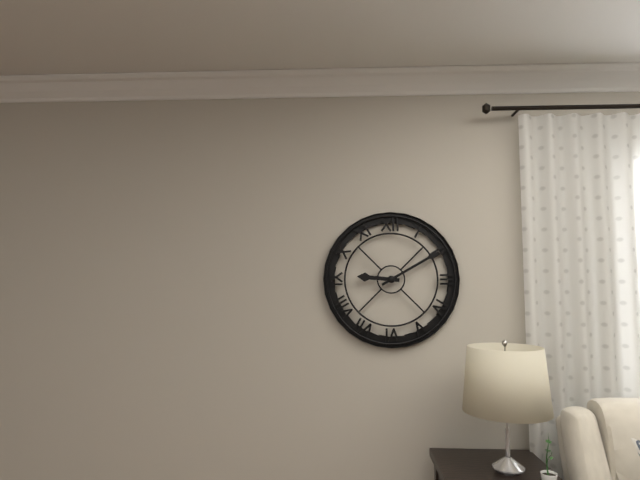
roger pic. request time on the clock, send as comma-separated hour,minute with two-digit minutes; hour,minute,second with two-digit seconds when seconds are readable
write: 9,10
